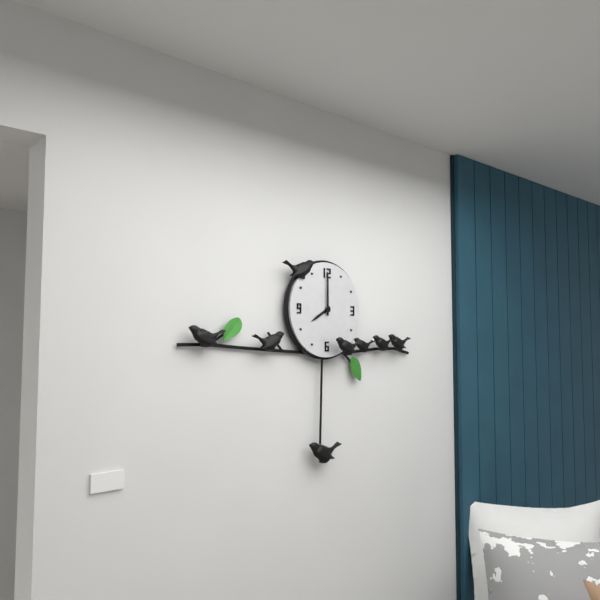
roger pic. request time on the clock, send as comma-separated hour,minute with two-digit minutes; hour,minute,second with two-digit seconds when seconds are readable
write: 8,00
